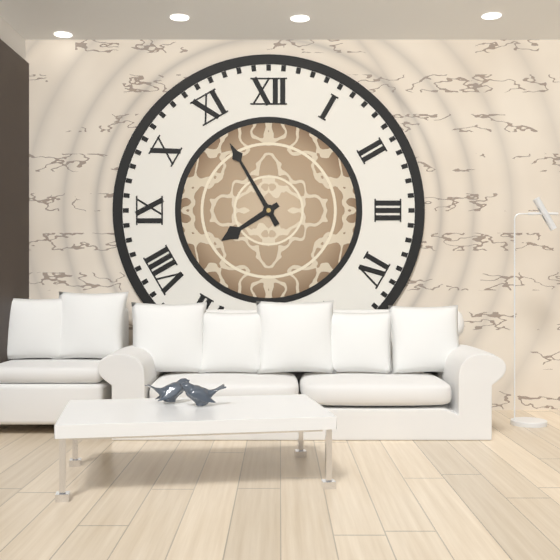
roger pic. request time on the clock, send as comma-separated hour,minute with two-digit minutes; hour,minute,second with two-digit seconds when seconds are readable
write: 7,55
